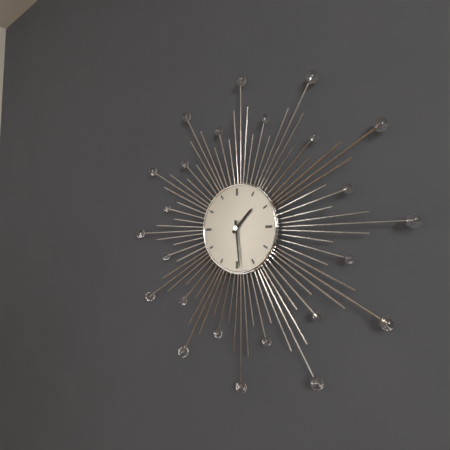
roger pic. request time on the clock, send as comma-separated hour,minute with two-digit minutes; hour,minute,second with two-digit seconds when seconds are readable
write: 1,29
